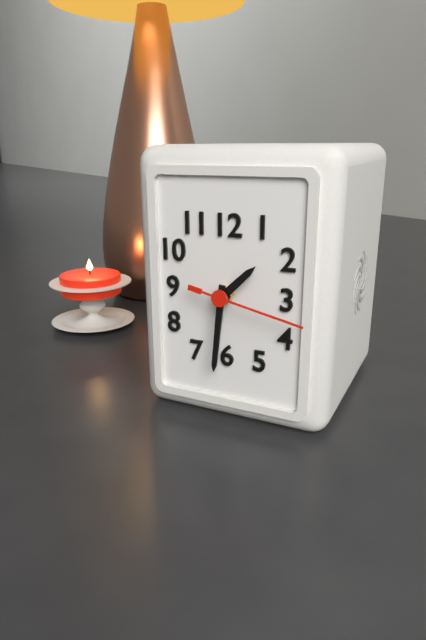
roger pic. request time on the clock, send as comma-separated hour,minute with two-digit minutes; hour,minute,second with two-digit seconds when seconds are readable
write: 1,31,17
